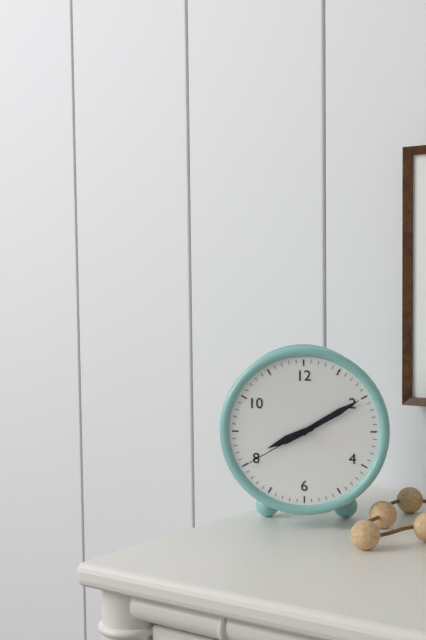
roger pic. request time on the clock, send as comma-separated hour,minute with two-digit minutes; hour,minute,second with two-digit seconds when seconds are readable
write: 8,10,40
